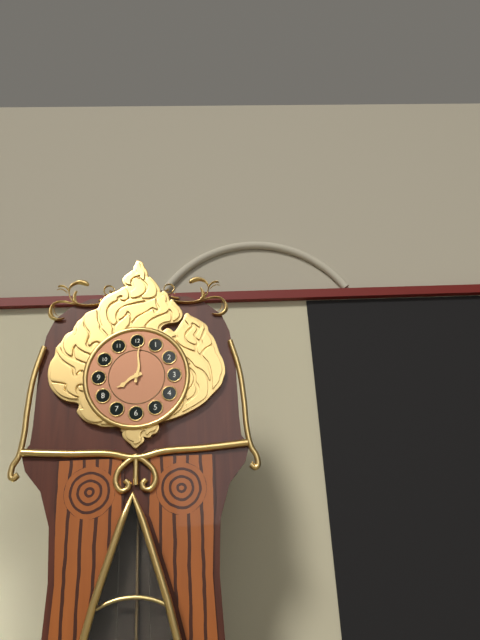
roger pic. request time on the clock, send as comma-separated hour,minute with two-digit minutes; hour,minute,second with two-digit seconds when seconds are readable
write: 8,01
